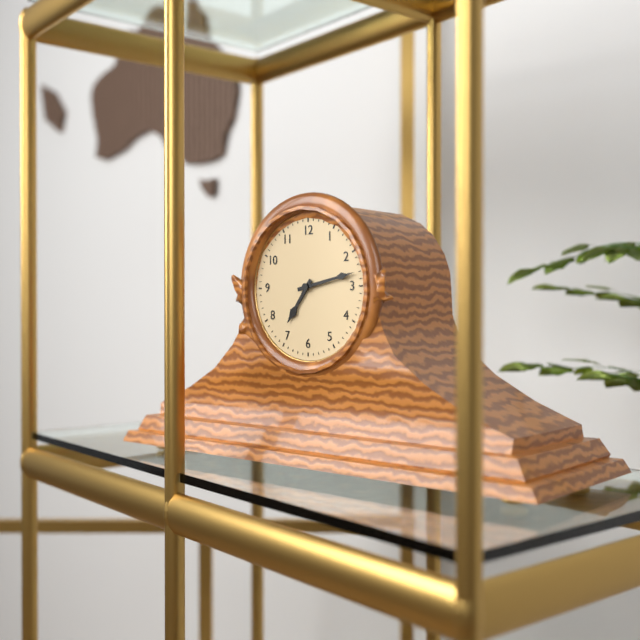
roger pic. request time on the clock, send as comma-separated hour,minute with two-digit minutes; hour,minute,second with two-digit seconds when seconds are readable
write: 7,13
